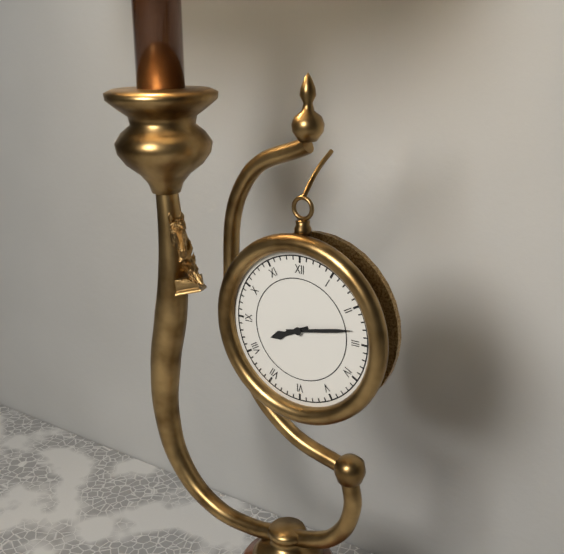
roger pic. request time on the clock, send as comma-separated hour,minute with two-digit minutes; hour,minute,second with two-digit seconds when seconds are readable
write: 8,13
